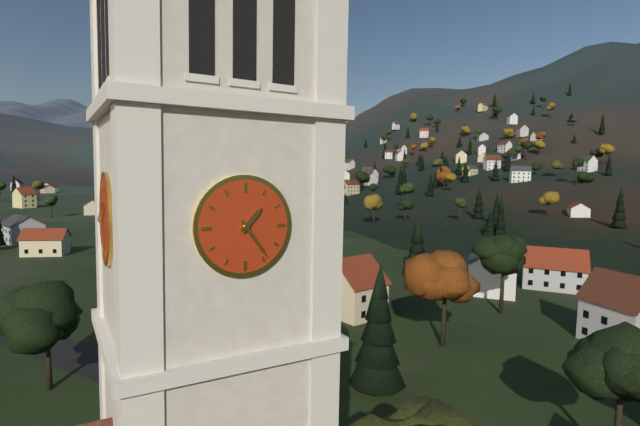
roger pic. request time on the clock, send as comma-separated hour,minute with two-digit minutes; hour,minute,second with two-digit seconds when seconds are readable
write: 1,24
